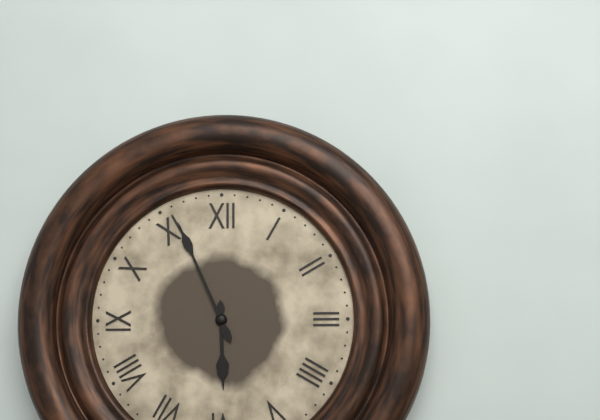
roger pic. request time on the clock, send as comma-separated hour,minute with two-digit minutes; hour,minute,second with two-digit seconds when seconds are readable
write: 5,56
